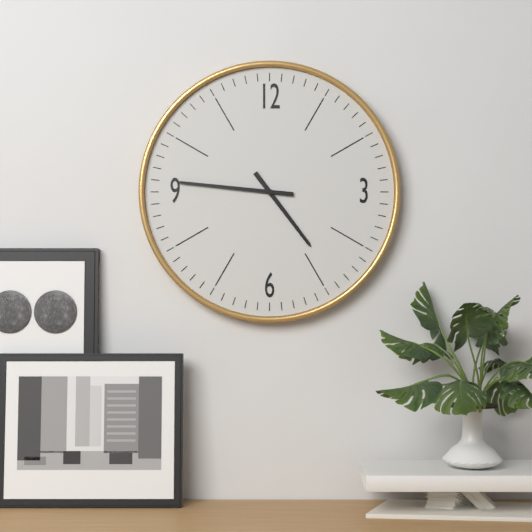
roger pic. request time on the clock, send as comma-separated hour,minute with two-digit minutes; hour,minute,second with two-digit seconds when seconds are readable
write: 4,46
